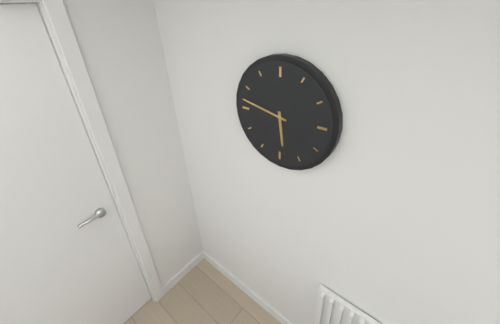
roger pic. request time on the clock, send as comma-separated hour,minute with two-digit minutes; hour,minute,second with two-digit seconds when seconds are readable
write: 5,47
